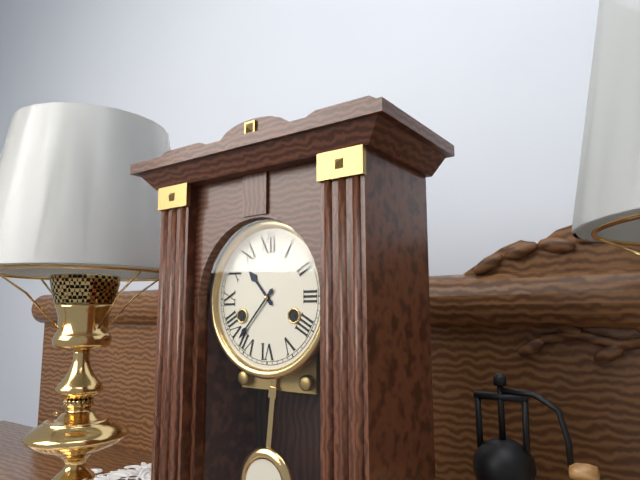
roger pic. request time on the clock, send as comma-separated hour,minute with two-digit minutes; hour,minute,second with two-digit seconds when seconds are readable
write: 10,37
